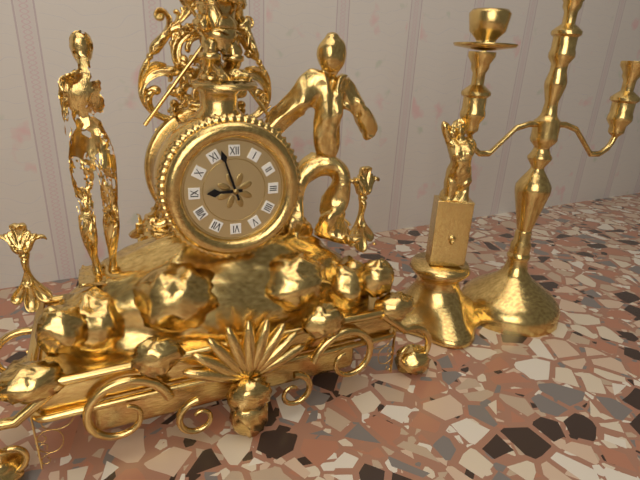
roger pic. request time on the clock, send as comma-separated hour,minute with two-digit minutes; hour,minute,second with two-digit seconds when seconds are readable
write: 8,57
